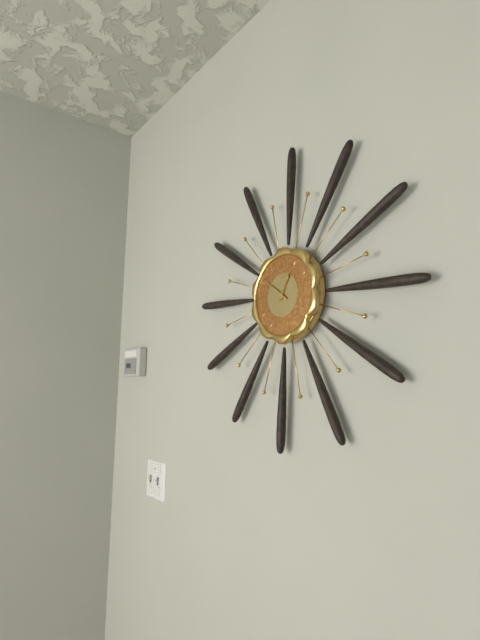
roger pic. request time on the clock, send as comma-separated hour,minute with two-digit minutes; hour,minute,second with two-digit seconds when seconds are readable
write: 12,51
